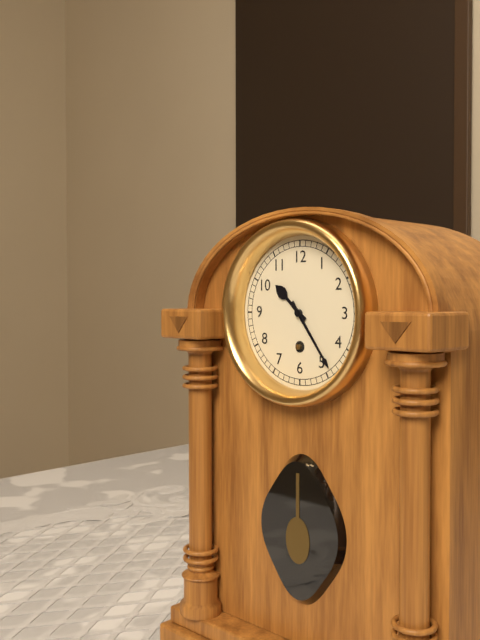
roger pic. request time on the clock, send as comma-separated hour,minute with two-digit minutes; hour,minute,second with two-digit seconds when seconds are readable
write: 10,24
